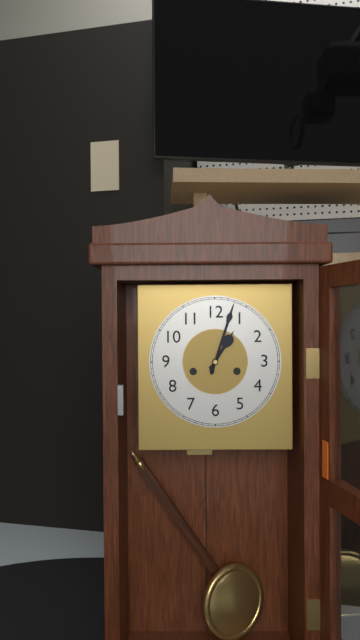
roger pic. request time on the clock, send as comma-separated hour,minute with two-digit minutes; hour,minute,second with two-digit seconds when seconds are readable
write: 1,03
